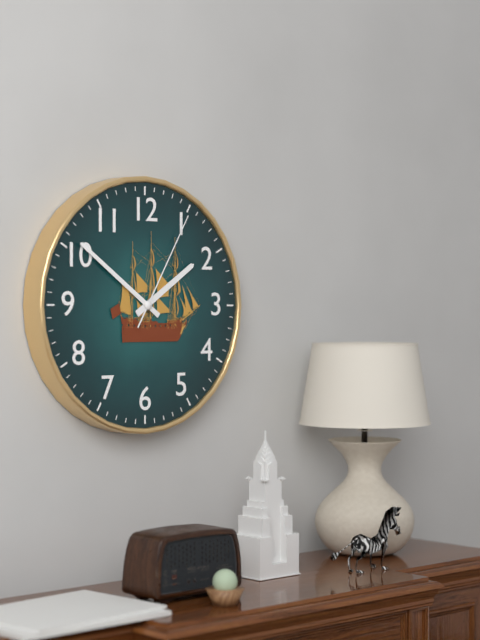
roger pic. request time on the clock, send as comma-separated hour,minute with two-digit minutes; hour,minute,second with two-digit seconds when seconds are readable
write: 1,51,05
